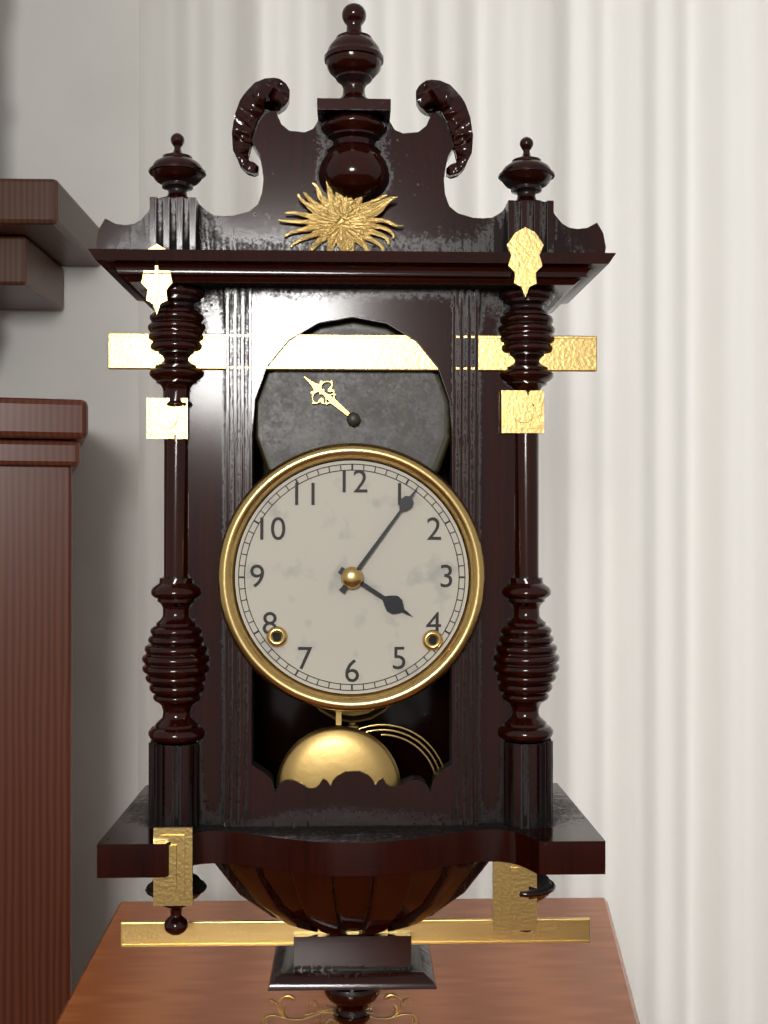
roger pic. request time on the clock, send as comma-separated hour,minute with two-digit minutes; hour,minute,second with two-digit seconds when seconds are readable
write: 4,06
